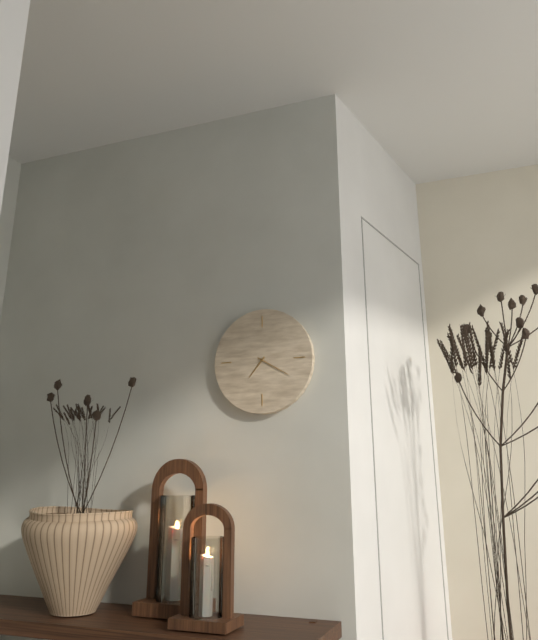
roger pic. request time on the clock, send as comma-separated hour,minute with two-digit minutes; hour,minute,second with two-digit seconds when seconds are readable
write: 7,20
